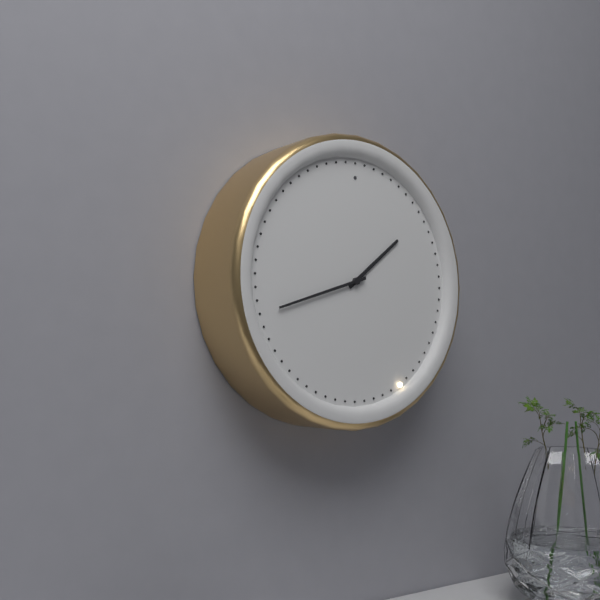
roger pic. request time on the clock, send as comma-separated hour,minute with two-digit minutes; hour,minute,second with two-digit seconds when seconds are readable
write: 1,42
